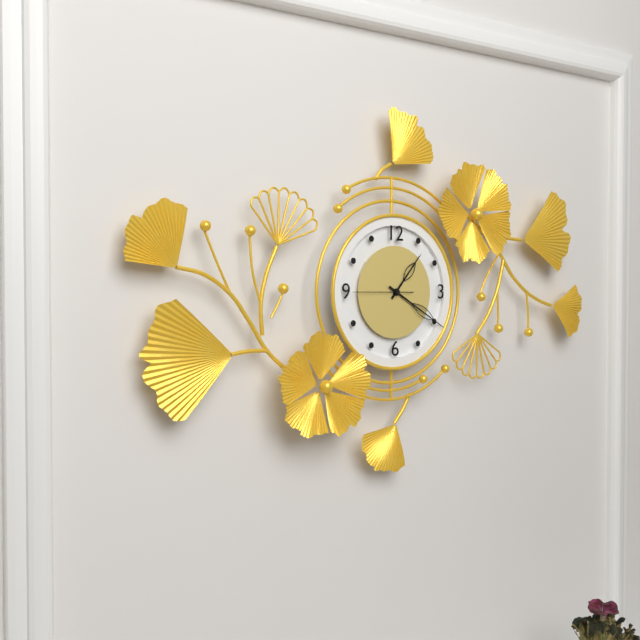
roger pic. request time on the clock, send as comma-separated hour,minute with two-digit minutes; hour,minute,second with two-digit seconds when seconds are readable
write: 1,20,45
